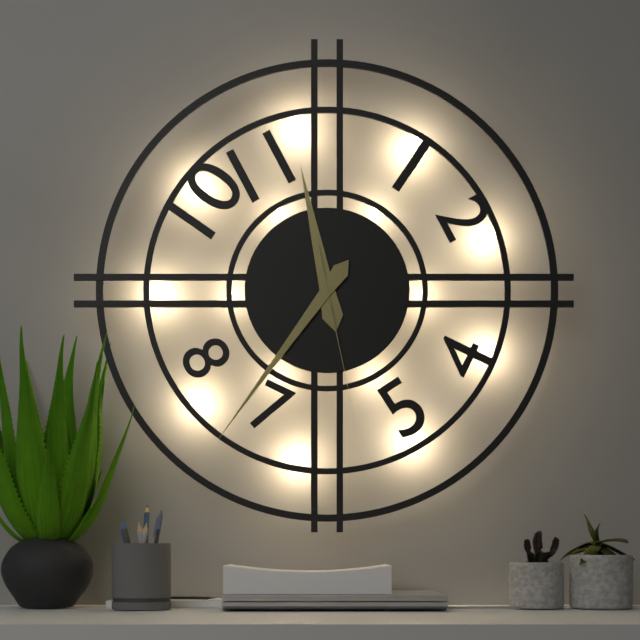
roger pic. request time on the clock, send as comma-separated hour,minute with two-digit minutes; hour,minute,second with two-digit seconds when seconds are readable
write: 11,36,28
